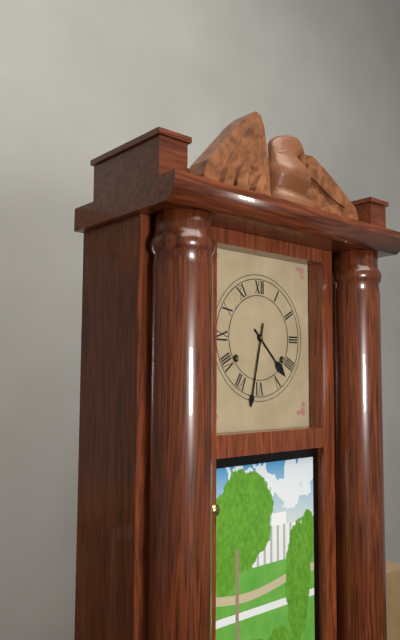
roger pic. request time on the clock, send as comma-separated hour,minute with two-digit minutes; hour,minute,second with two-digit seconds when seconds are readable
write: 4,32
